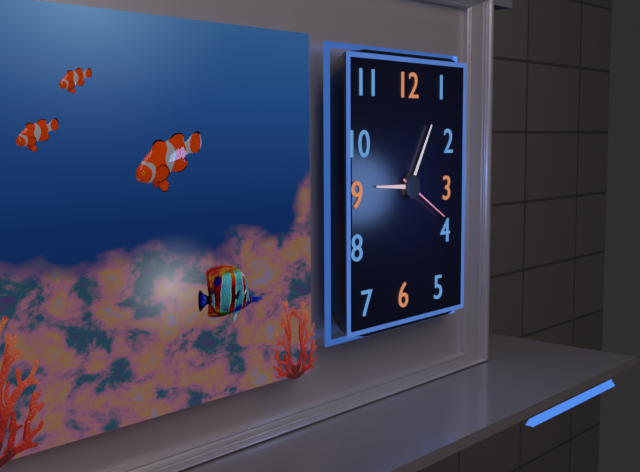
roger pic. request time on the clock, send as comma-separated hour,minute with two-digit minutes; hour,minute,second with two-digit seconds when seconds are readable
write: 9,05,20
